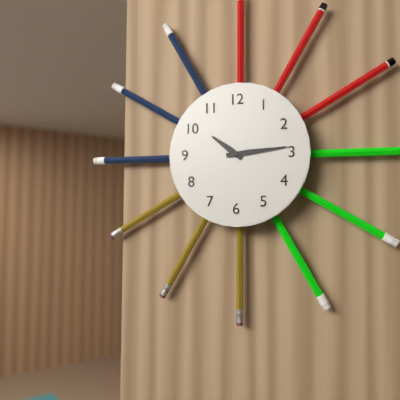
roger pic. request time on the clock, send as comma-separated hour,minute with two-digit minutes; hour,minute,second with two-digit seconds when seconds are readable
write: 10,14
